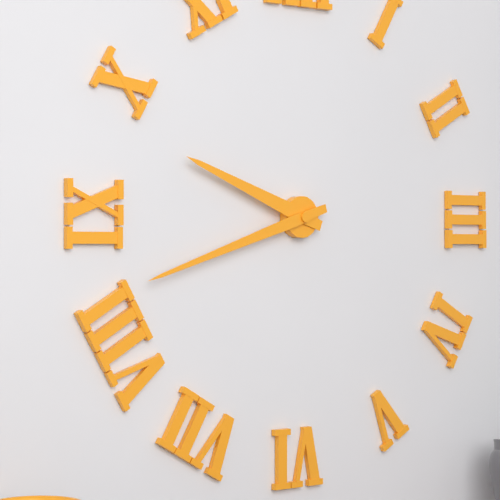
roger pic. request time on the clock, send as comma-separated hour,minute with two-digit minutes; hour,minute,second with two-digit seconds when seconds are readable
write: 9,42
